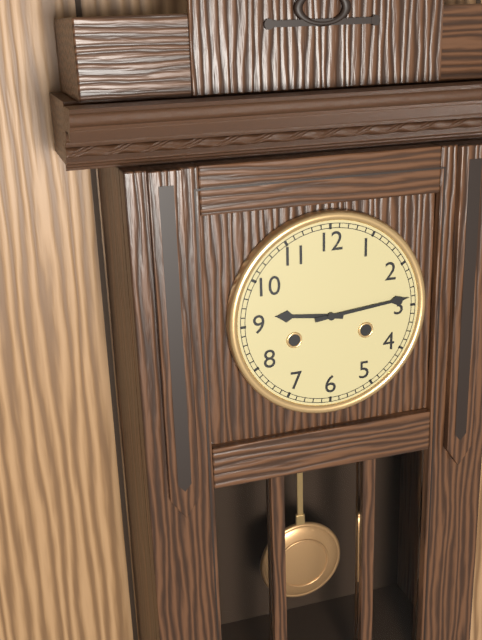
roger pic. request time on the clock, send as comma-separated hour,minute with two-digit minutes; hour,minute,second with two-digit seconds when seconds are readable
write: 9,14
